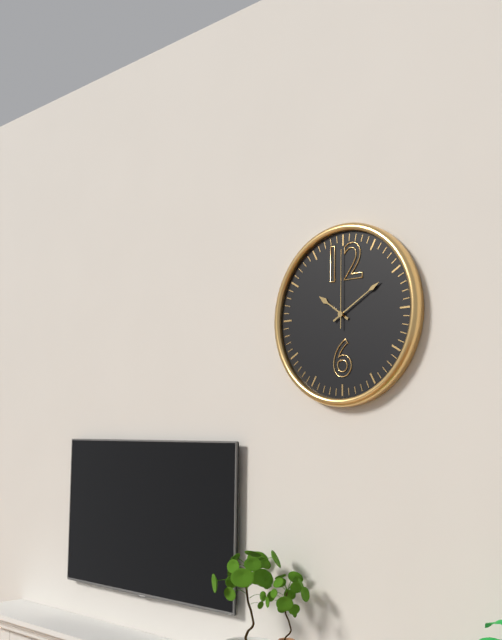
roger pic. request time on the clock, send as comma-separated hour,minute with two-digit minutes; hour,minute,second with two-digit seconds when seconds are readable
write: 10,10,00
